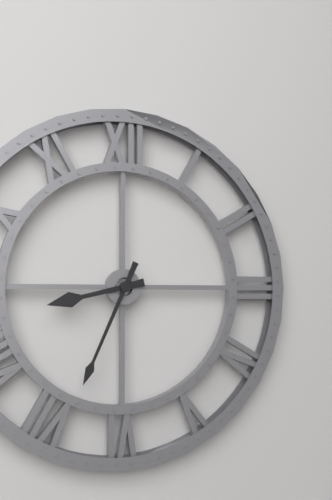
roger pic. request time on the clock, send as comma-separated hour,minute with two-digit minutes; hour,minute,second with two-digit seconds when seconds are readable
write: 8,34
